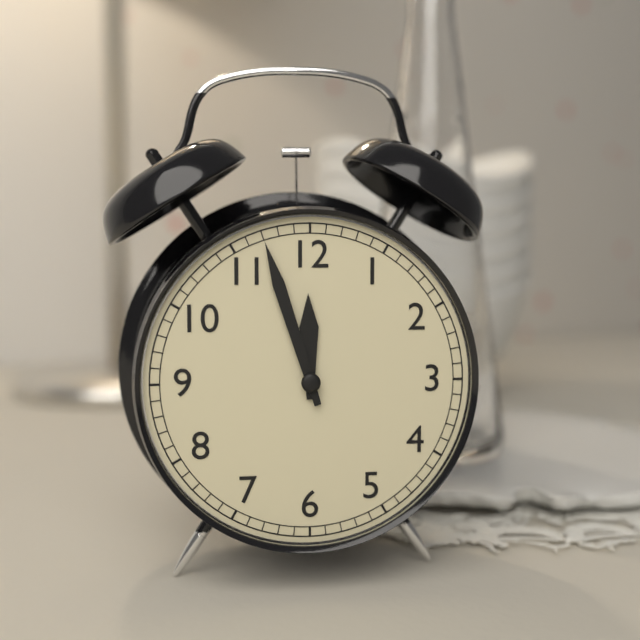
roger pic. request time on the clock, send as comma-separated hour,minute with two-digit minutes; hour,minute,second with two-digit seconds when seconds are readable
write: 11,57
